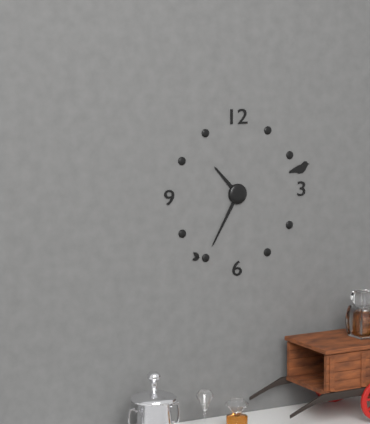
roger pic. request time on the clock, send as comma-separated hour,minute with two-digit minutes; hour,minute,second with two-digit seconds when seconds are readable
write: 10,35
